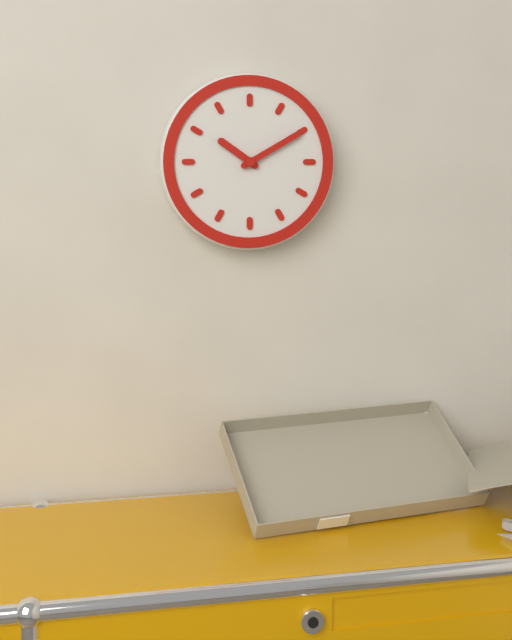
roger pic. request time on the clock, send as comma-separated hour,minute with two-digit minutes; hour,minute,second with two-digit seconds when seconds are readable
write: 10,10
